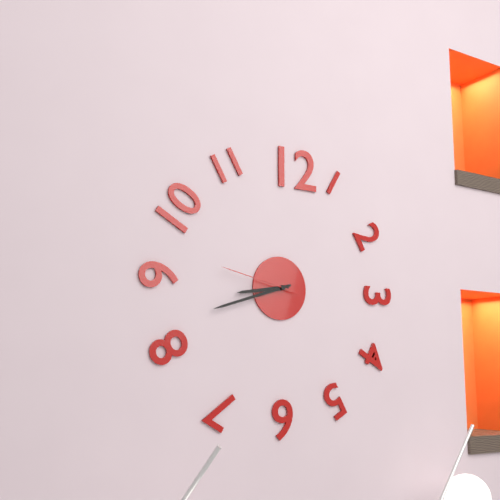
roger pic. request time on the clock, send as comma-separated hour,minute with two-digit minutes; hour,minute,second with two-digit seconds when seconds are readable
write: 8,42,47
